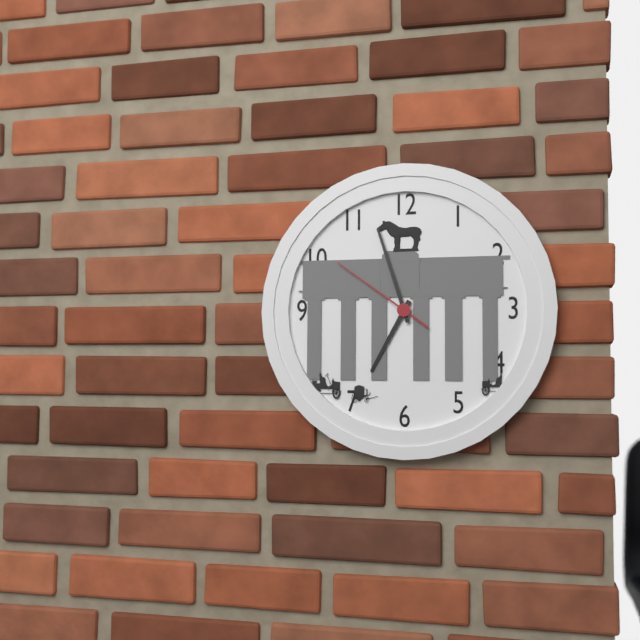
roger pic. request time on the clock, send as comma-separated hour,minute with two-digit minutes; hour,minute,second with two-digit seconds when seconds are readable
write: 6,57,51
